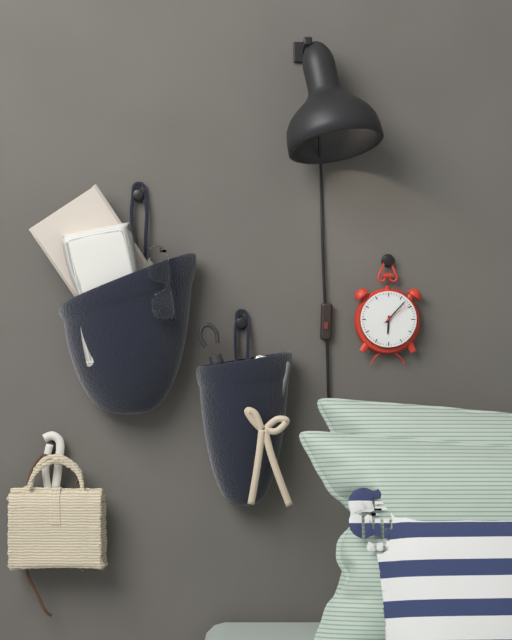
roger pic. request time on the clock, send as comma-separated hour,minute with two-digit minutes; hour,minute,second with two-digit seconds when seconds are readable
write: 6,07
